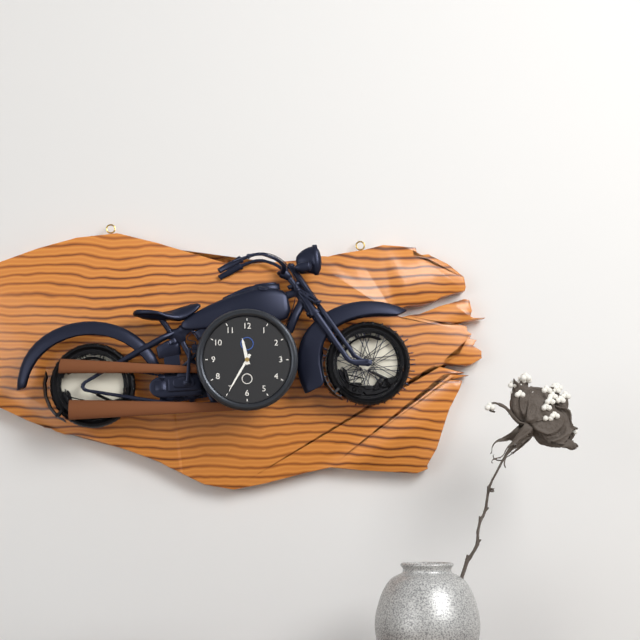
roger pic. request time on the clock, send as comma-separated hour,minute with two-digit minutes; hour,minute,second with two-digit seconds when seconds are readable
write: 11,35
